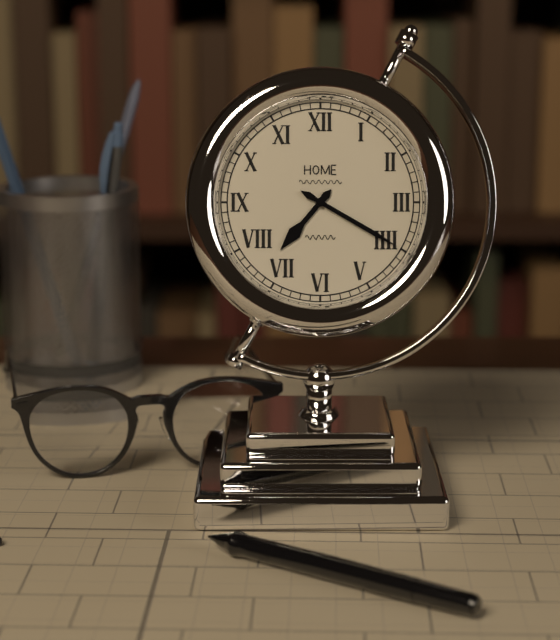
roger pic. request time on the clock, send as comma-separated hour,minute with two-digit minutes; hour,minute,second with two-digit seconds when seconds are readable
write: 7,20
